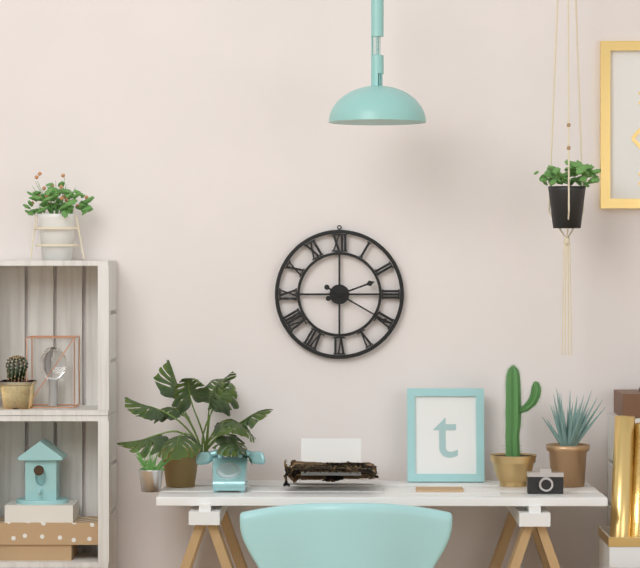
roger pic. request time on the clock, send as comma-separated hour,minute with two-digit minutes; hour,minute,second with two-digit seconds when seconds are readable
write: 2,20
